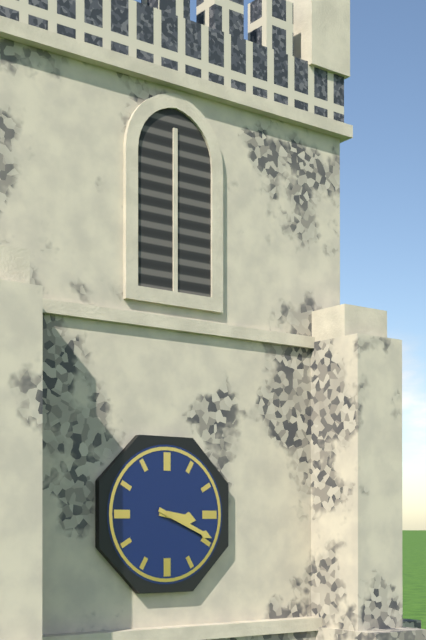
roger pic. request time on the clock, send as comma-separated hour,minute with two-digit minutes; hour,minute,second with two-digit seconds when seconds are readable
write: 3,19
